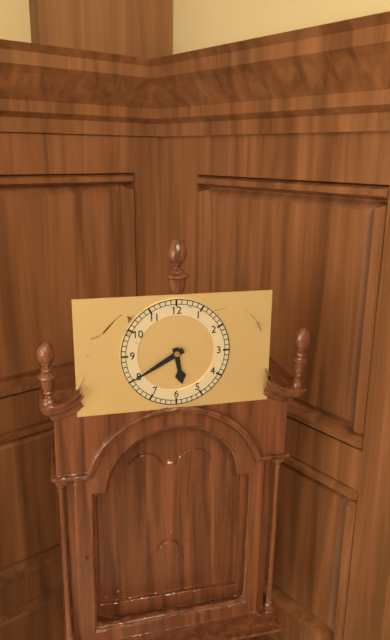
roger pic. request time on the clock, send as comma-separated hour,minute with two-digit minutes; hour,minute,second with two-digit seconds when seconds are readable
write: 5,40
